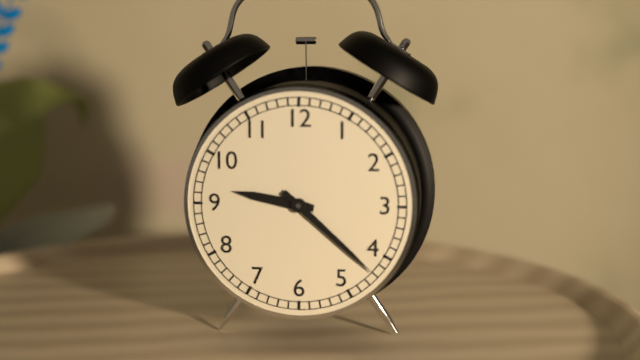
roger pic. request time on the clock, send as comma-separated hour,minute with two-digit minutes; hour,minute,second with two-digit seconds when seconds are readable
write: 9,22
